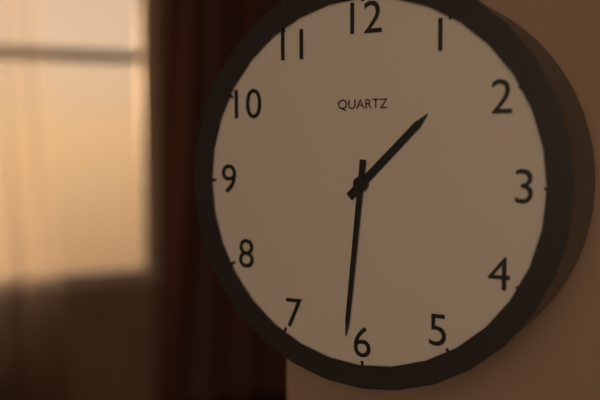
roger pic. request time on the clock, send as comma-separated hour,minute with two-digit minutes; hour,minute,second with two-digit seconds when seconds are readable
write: 1,31
